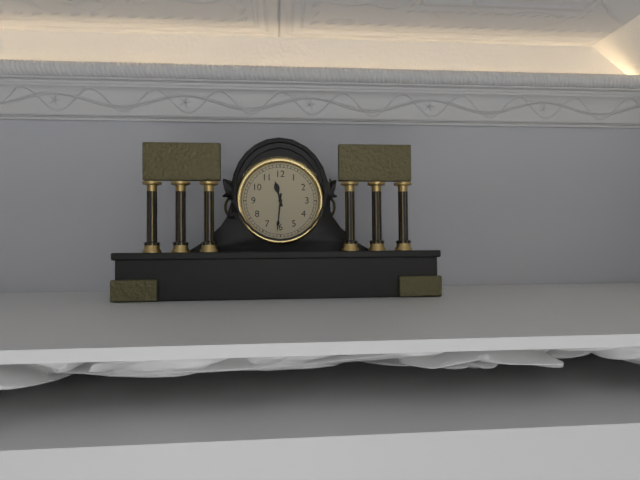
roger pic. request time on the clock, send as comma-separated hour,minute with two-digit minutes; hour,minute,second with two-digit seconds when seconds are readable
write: 11,31
